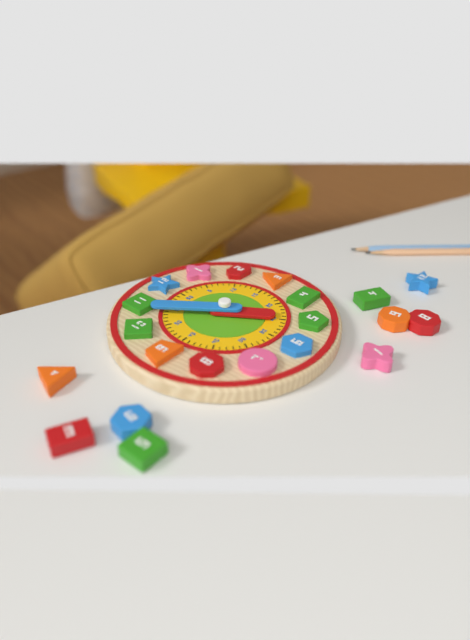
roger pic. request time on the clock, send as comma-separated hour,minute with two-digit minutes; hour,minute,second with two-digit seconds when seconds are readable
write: 4,54
